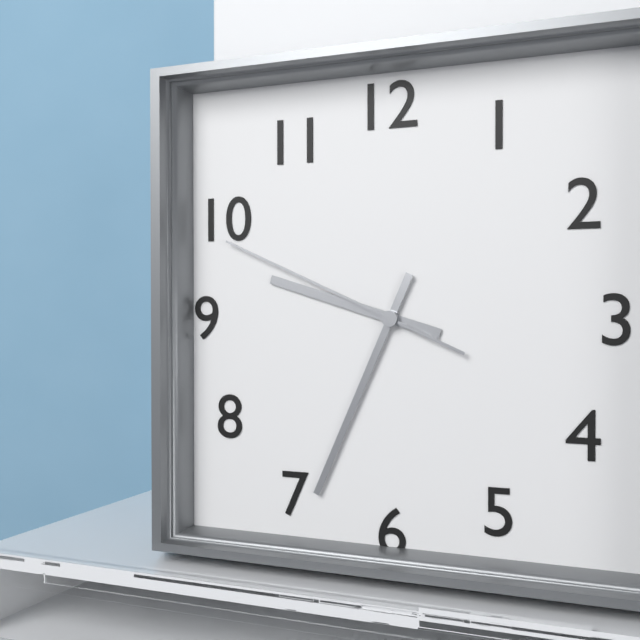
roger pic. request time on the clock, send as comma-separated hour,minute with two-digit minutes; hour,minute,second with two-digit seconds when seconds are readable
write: 9,34,49
